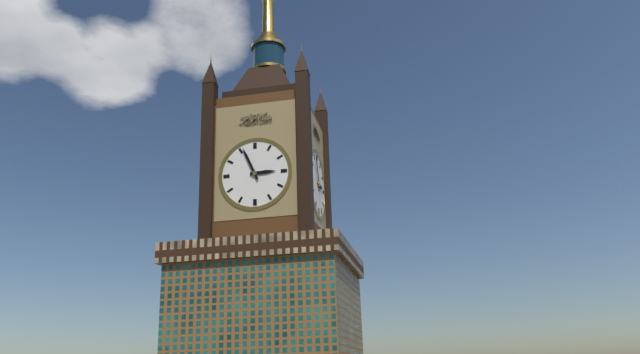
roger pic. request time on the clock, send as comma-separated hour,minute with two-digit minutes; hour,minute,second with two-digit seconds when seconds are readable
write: 2,56
